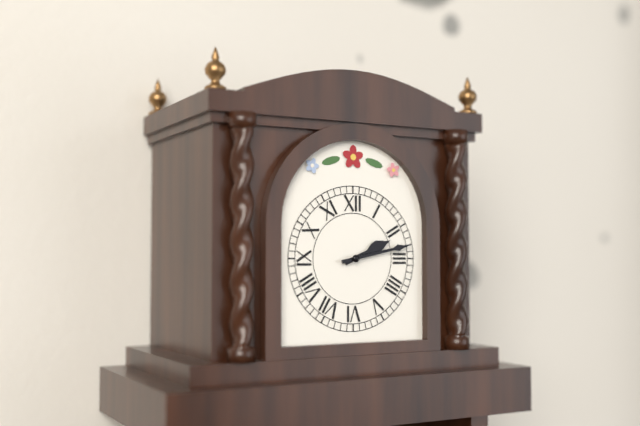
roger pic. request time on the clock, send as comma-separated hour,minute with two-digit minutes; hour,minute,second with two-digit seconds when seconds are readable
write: 2,13
